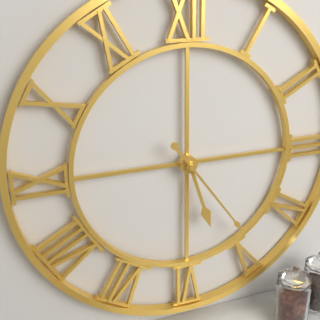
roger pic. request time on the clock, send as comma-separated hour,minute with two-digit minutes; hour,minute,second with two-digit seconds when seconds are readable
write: 5,24
